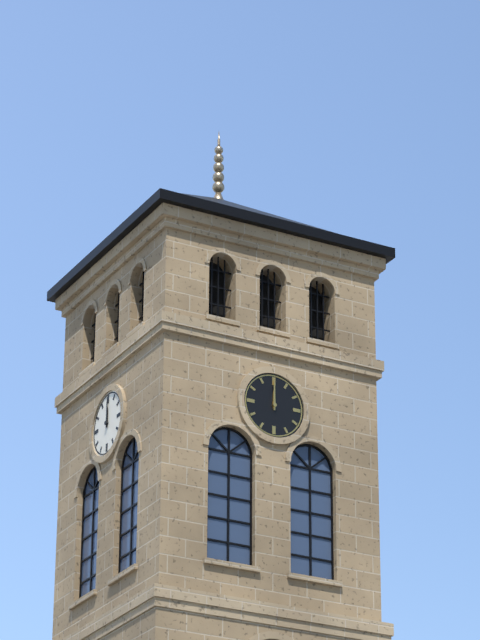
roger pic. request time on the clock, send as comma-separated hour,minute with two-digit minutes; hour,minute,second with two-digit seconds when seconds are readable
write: 12,00
